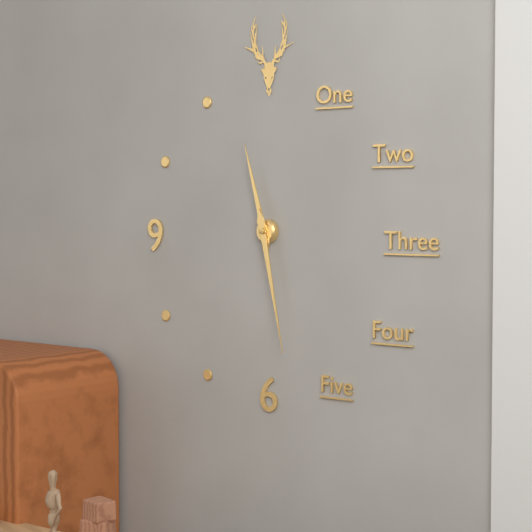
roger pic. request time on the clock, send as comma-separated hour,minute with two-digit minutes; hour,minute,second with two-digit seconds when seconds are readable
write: 11,28
